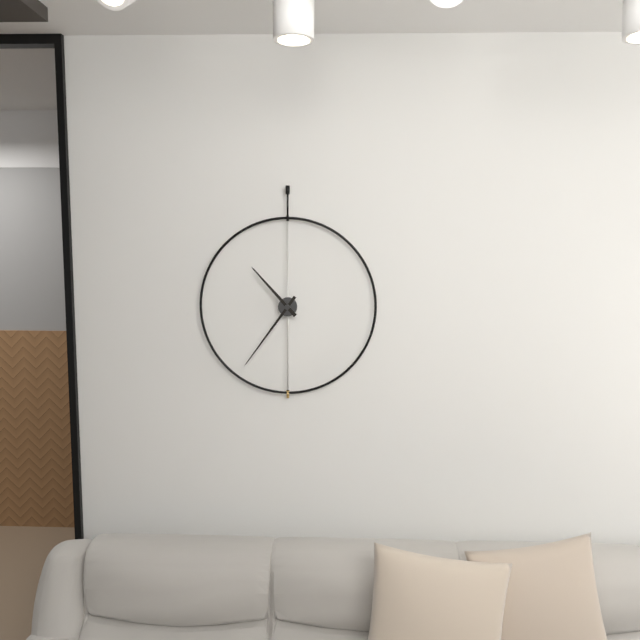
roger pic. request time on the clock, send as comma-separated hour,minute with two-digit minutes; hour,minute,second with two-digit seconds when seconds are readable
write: 10,36
